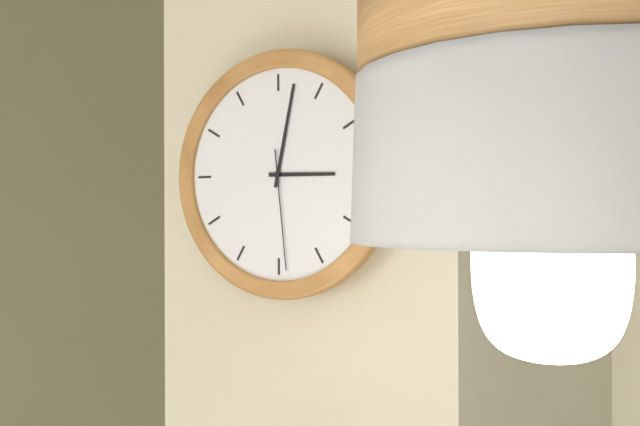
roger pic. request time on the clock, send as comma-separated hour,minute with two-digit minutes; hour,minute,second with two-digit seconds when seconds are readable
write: 3,02,29
